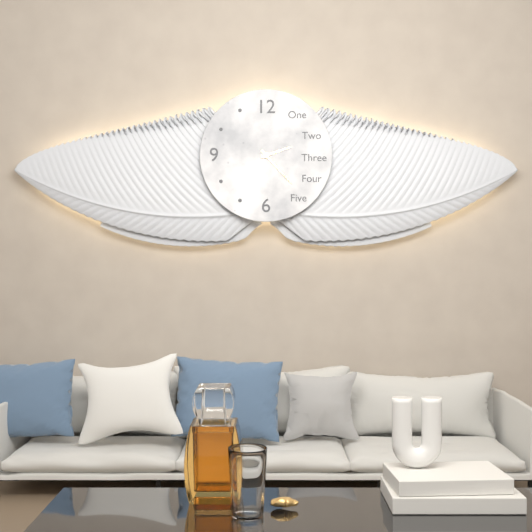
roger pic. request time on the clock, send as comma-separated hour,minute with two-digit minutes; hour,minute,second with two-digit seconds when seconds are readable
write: 2,23
